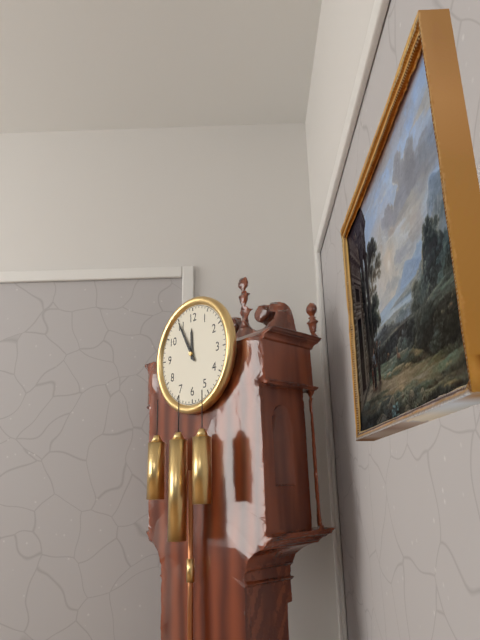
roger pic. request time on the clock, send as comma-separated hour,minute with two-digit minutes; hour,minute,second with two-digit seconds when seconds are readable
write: 11,55
